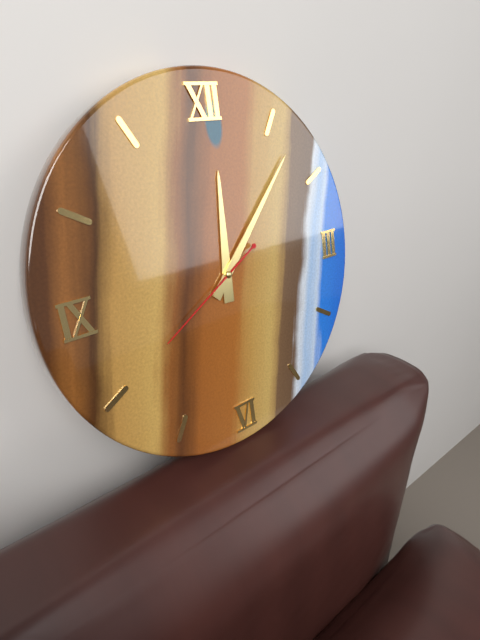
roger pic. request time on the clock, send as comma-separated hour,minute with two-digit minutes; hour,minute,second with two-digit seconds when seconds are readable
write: 12,07,40
